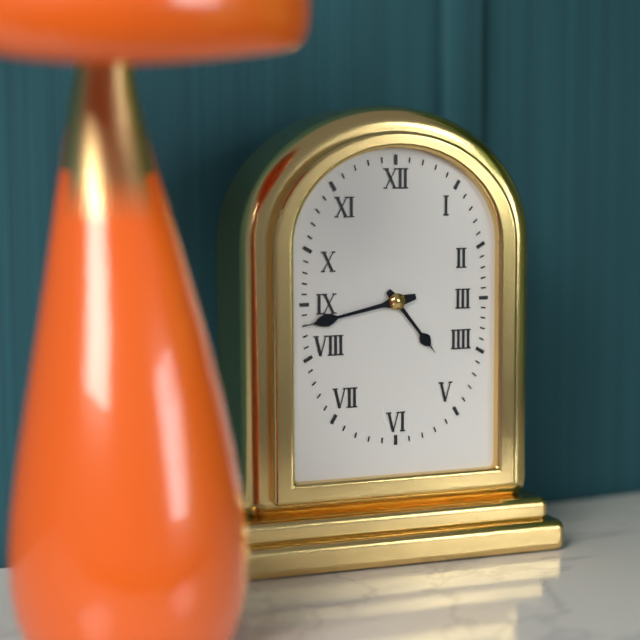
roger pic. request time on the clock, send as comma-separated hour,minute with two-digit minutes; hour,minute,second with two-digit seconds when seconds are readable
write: 4,43
